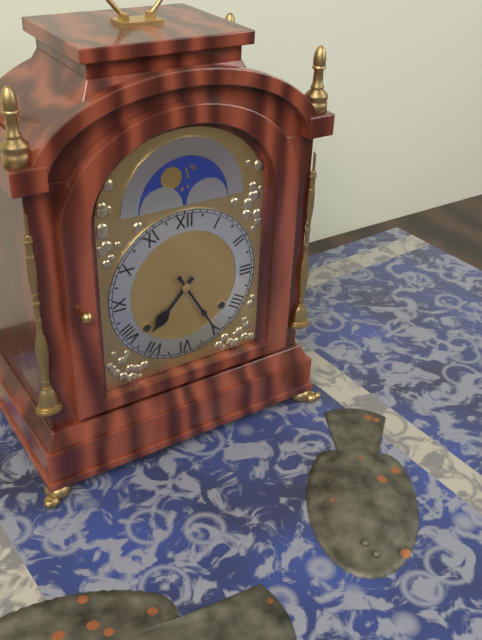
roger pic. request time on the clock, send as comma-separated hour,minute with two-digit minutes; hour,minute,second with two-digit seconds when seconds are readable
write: 7,25
